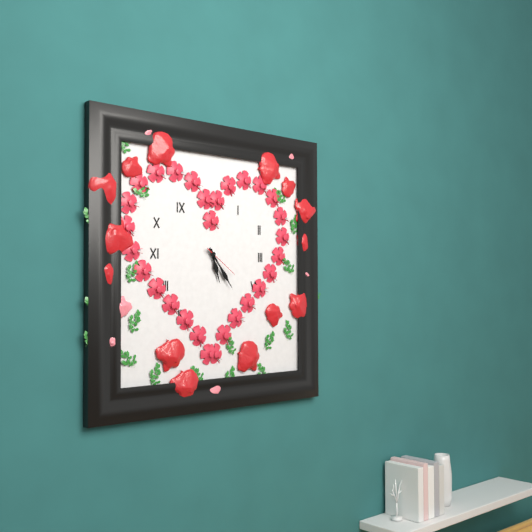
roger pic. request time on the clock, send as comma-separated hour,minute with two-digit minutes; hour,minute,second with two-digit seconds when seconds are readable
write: 5,24
